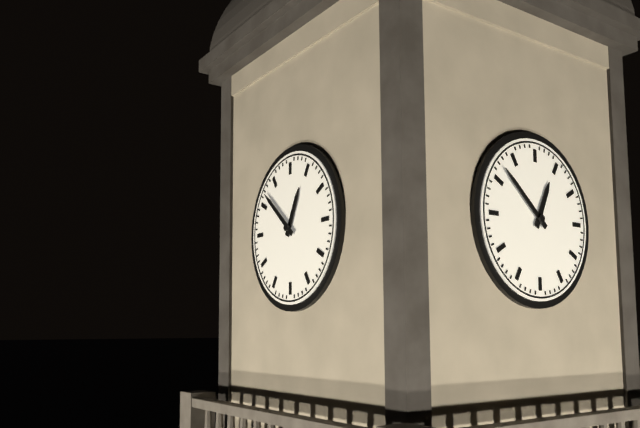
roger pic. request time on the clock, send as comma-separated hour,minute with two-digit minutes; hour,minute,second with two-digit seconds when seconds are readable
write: 12,52
